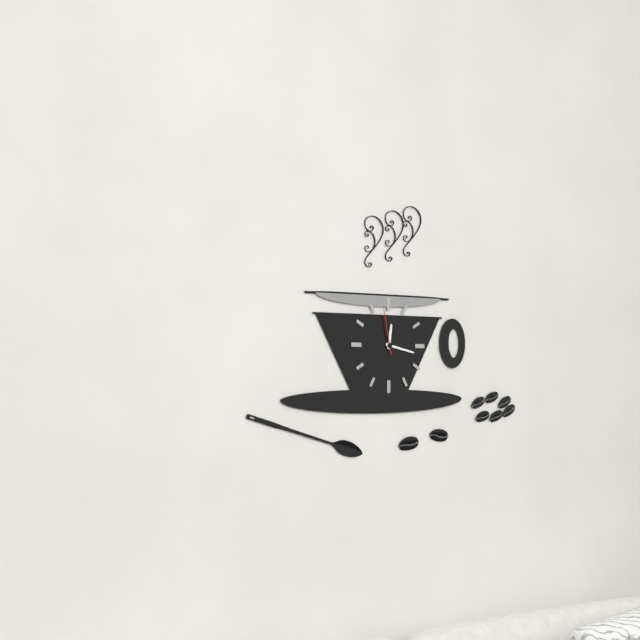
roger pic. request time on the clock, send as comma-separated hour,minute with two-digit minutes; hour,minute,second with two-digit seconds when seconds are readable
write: 12,17
